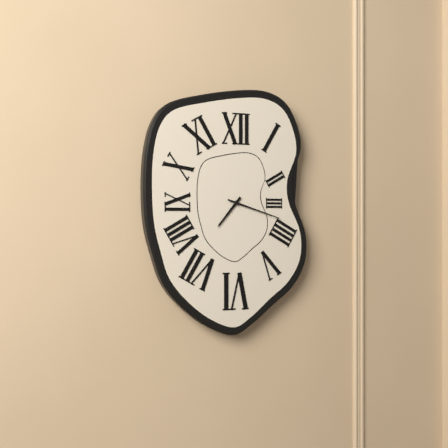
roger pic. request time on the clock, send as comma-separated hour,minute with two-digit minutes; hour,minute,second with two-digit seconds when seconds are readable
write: 7,18
